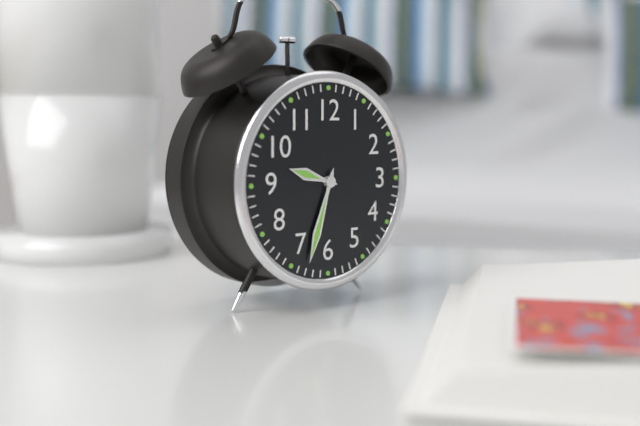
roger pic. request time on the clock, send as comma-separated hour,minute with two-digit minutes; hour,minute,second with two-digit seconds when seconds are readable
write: 9,33
